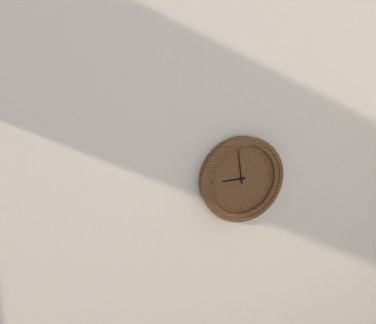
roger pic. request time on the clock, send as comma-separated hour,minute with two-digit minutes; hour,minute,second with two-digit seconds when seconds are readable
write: 8,59
